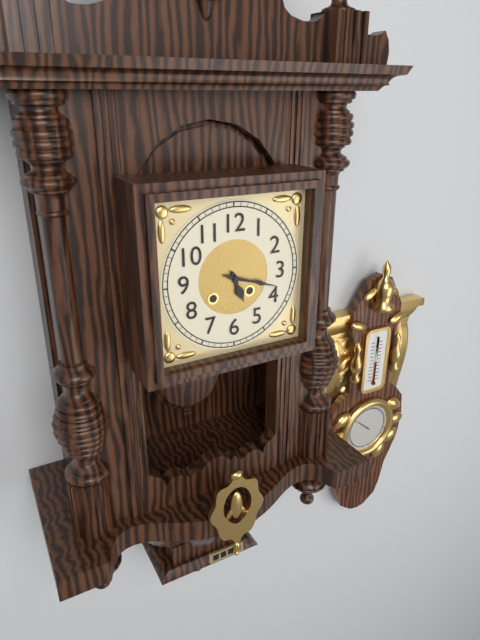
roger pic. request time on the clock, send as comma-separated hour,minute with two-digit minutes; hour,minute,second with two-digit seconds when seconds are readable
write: 5,18
